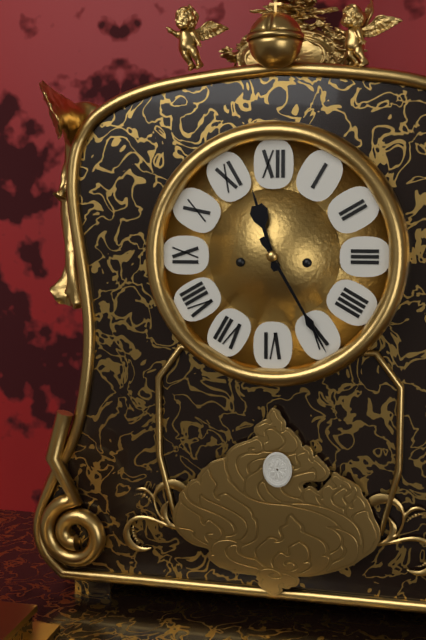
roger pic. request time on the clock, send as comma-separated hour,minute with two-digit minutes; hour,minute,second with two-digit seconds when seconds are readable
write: 11,25
